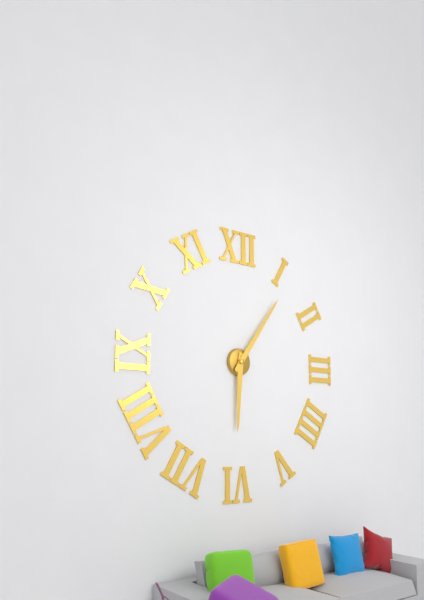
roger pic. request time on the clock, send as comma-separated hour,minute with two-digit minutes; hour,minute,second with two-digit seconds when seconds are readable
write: 6,06
